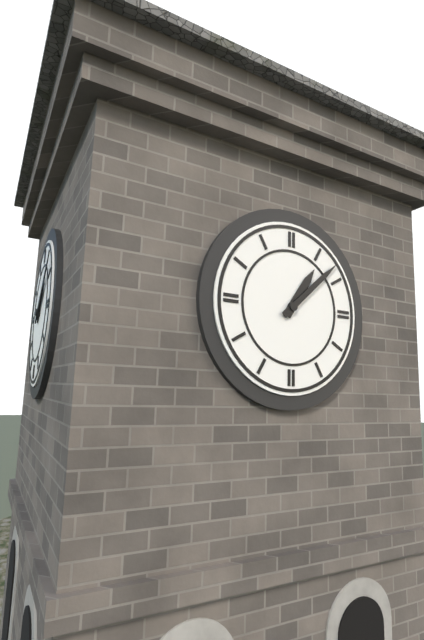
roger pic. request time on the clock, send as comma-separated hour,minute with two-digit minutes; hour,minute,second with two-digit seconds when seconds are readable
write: 1,08
